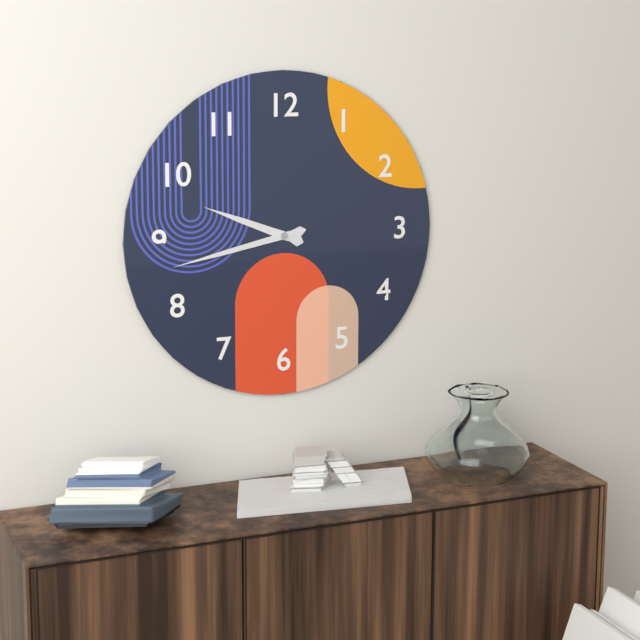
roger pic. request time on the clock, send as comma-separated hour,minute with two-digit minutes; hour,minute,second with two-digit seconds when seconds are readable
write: 9,43
